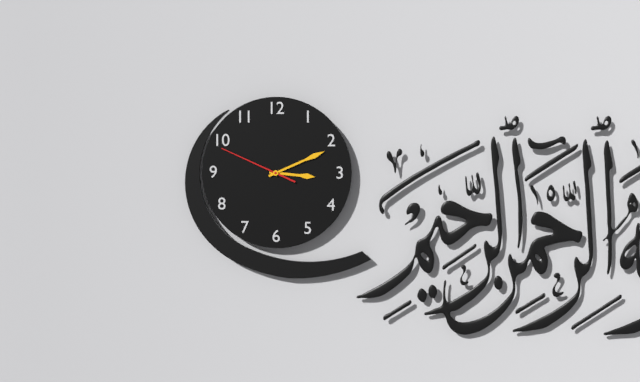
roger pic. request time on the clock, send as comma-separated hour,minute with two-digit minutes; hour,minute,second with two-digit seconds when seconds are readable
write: 3,11,49
